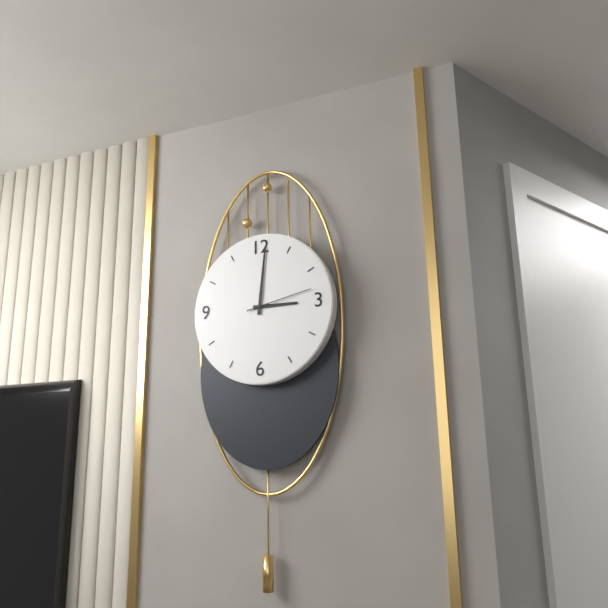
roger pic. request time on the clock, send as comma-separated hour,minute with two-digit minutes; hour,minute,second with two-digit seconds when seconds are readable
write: 3,01,13
